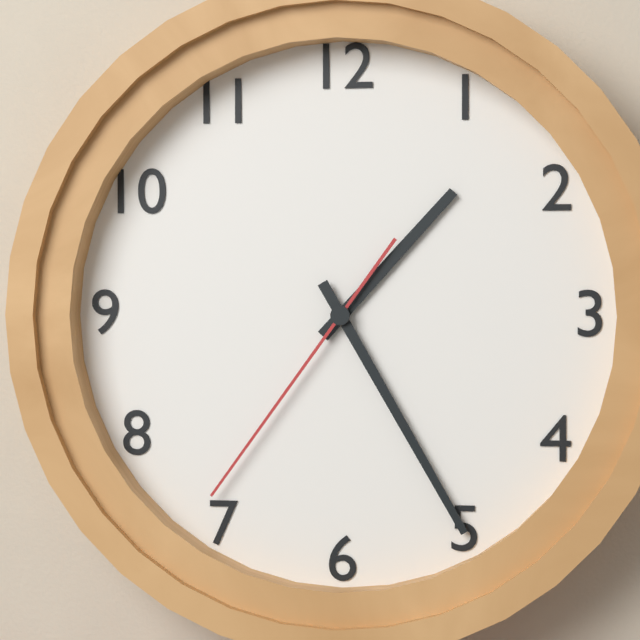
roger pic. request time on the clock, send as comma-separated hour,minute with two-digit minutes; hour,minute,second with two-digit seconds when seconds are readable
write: 1,25,36
